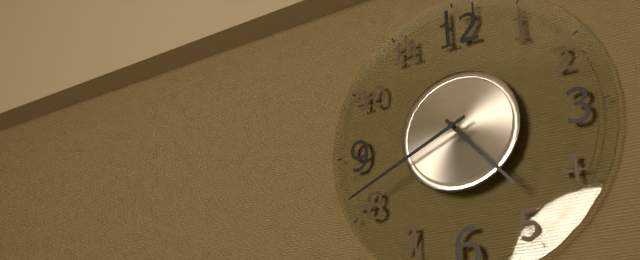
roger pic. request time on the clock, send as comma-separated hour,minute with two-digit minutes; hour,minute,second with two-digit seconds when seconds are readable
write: 4,41
